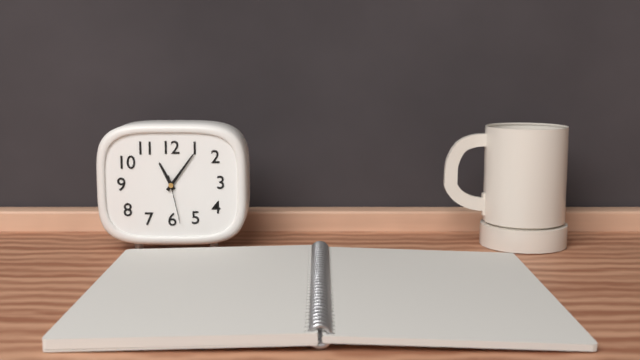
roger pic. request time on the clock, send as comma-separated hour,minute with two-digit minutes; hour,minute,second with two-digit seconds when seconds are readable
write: 11,06
